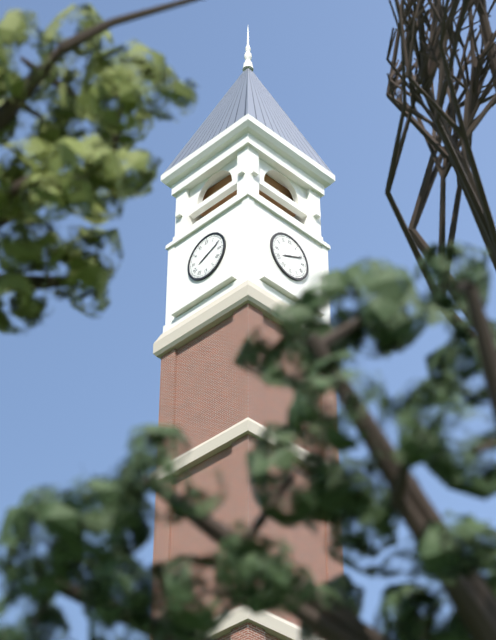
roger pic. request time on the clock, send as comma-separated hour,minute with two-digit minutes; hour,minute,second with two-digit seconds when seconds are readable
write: 8,11
